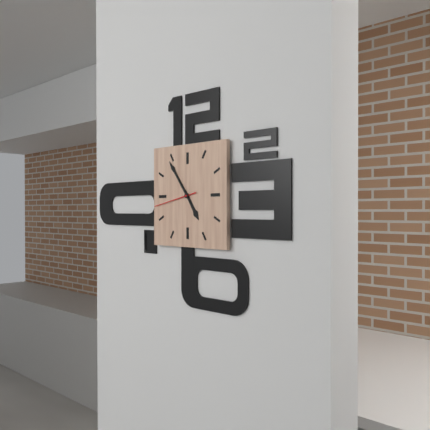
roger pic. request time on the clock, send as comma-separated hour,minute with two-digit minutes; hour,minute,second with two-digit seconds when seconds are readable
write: 4,54
